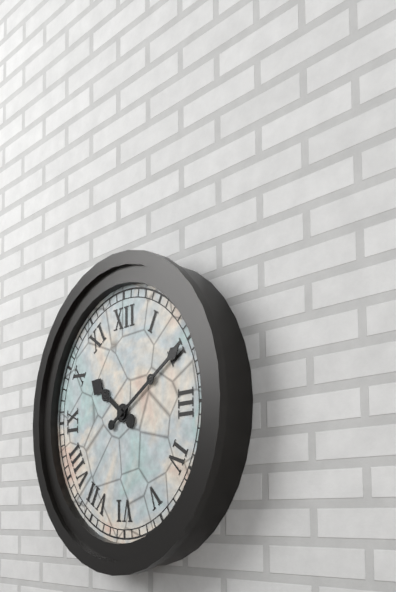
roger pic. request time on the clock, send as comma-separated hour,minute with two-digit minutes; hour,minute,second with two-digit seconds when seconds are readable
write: 10,10
